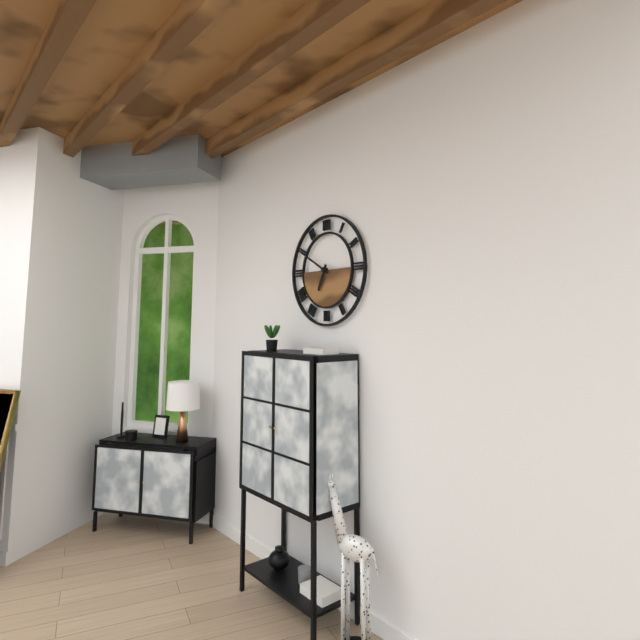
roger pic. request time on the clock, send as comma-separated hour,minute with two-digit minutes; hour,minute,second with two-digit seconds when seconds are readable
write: 6,50
